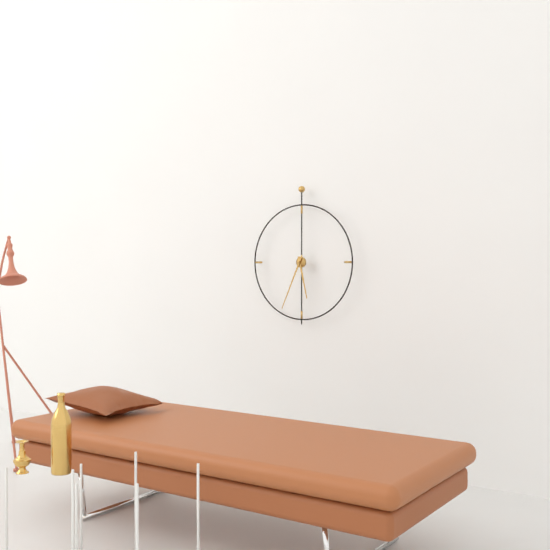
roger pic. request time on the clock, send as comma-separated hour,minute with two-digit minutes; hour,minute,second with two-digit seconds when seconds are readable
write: 5,34
